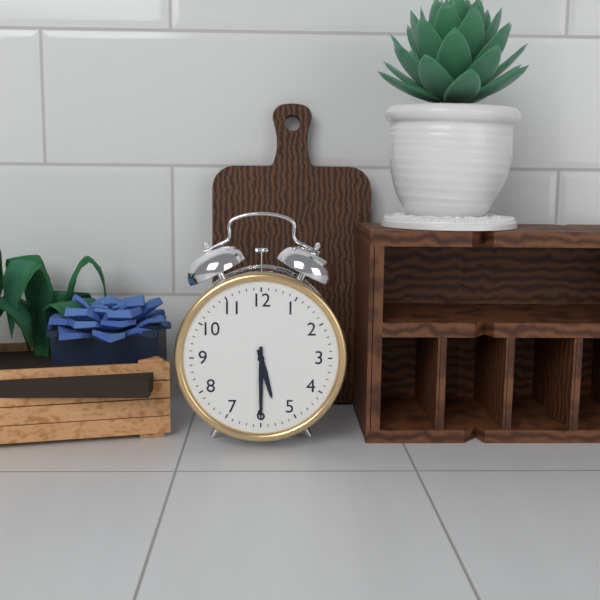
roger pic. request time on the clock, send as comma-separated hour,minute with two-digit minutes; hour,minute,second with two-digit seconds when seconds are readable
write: 5,30
